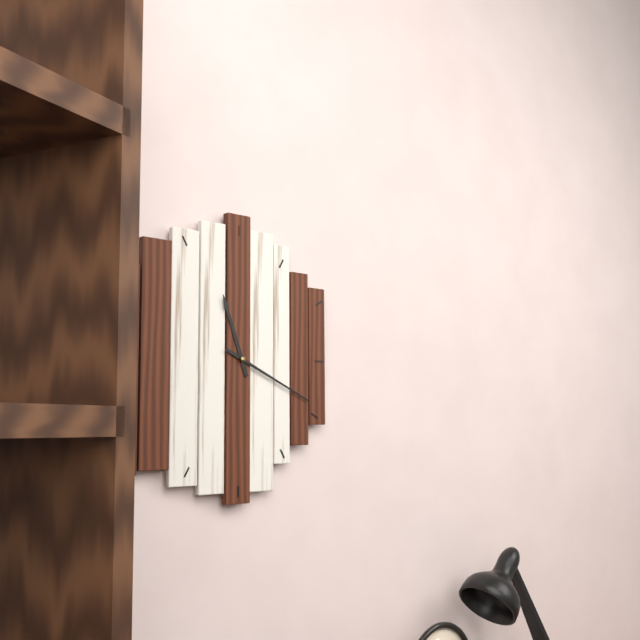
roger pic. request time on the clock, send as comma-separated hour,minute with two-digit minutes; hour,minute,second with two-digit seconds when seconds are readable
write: 11,19
